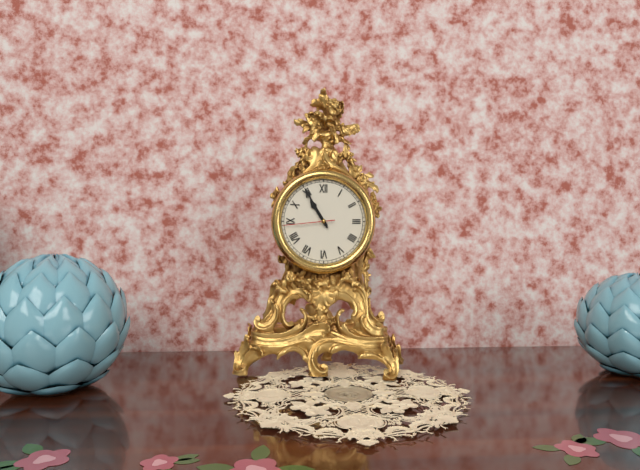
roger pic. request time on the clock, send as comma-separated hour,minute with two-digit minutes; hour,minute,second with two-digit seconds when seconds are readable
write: 10,55,44
